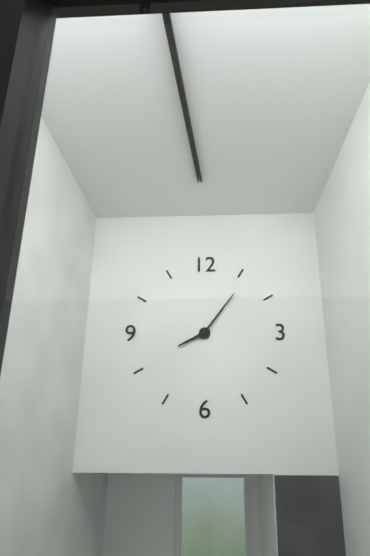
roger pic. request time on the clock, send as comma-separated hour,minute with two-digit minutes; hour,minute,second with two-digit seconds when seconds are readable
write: 8,06
